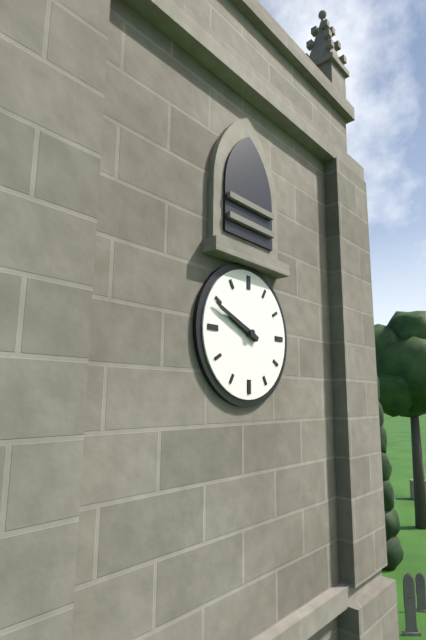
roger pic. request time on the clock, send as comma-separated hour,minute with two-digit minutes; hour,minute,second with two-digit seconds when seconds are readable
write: 9,49
